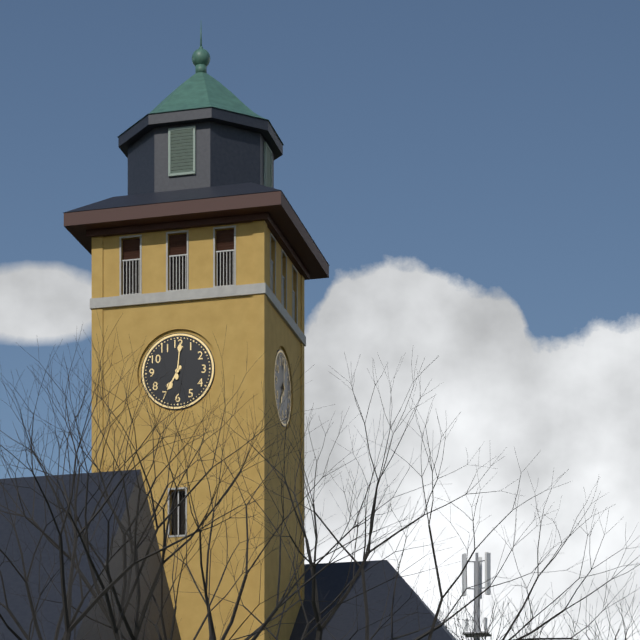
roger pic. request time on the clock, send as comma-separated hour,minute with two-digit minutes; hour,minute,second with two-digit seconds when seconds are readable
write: 7,01
